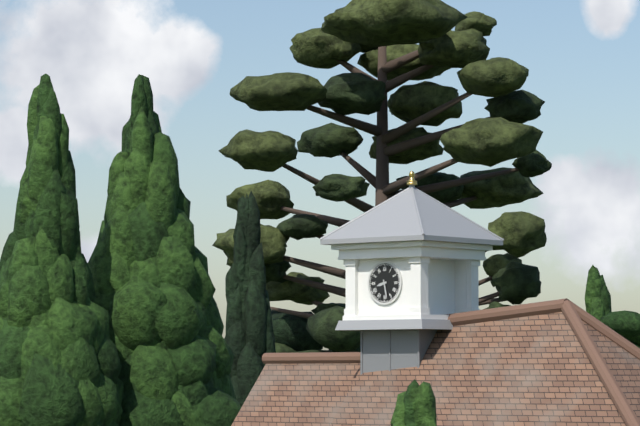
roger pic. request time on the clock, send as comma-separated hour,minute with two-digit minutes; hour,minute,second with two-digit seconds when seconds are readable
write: 8,28
